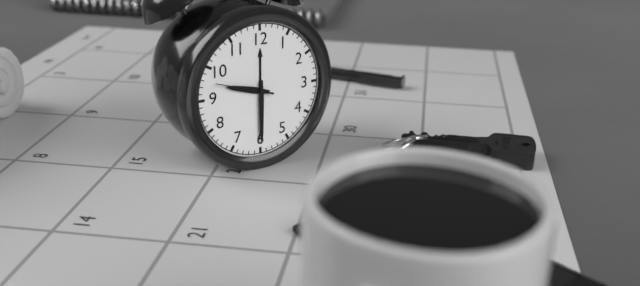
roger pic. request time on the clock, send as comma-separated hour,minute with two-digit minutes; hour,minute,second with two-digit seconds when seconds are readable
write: 9,30,48
